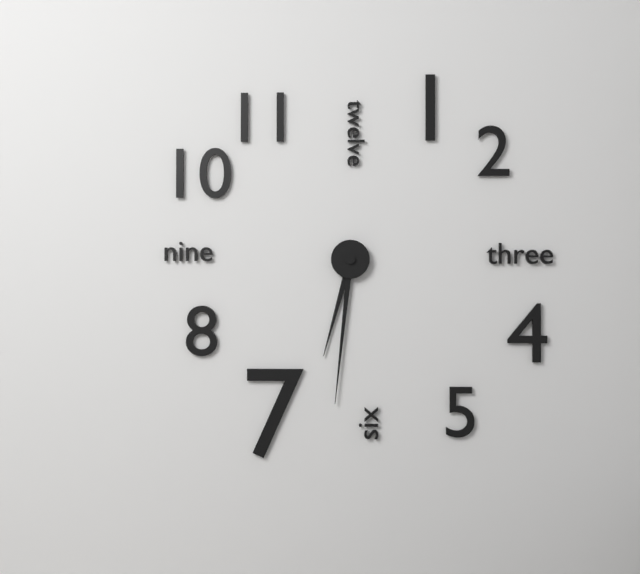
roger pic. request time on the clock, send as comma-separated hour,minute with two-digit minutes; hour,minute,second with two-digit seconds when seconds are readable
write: 6,31
